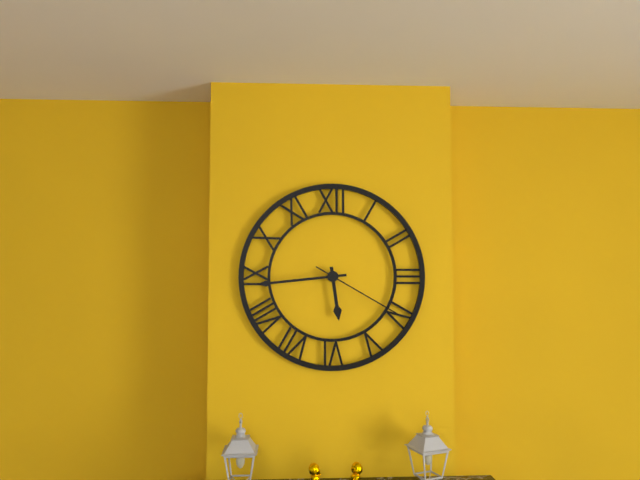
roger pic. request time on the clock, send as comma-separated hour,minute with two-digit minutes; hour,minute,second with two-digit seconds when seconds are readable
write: 5,44,20
